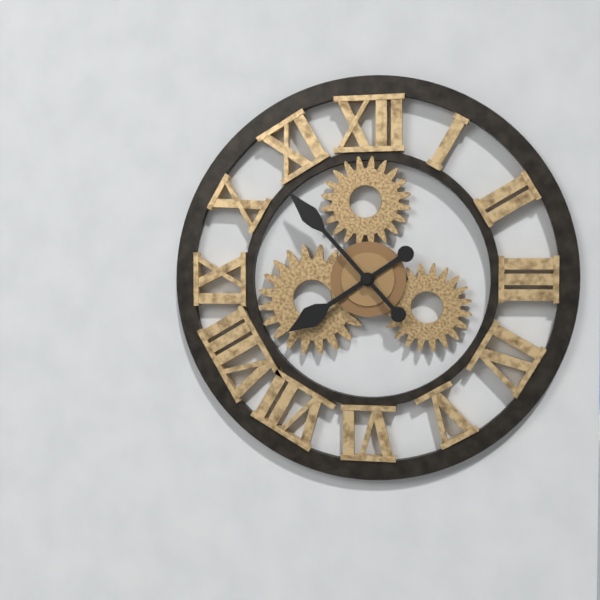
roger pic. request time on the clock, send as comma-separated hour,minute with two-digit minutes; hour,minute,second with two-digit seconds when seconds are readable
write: 7,53
